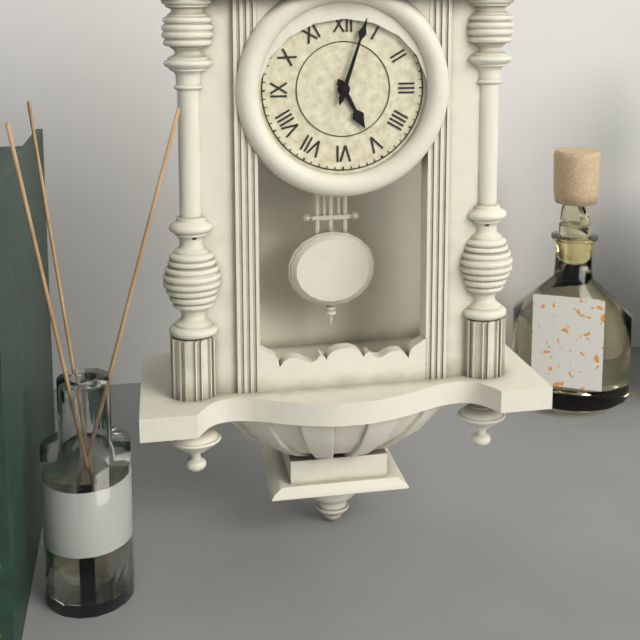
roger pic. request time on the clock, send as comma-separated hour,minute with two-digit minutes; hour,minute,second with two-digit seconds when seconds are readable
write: 5,03
